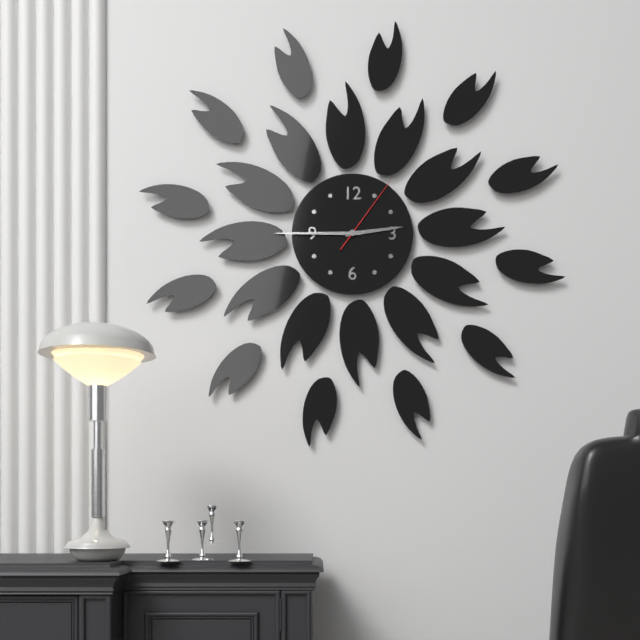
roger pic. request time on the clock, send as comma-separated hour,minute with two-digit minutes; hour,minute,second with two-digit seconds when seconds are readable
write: 2,45,06
